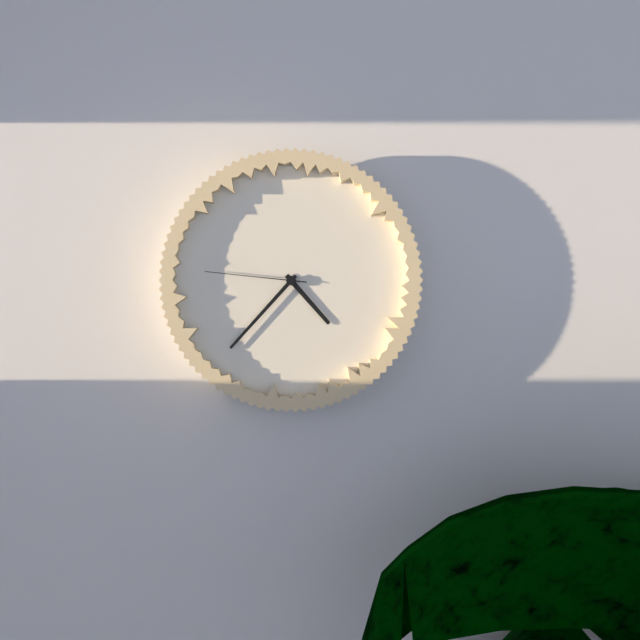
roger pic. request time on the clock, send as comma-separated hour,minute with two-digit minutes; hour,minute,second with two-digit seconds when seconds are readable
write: 4,37,46
